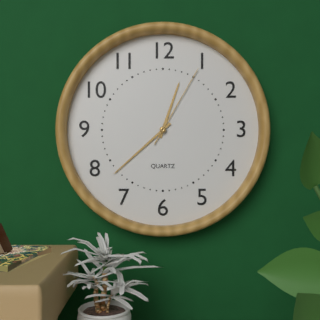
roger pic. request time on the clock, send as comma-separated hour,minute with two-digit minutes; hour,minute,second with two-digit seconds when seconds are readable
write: 12,38,05
